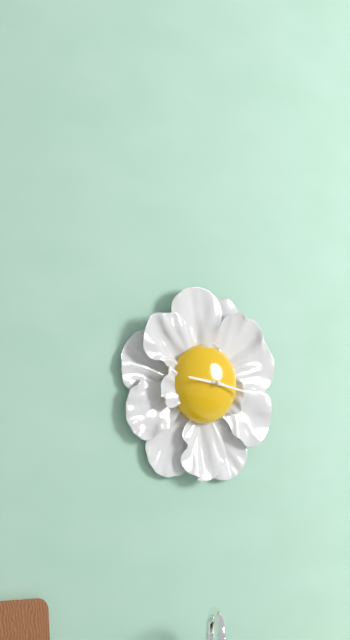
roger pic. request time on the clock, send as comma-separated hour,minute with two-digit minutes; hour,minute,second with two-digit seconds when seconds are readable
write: 9,17
